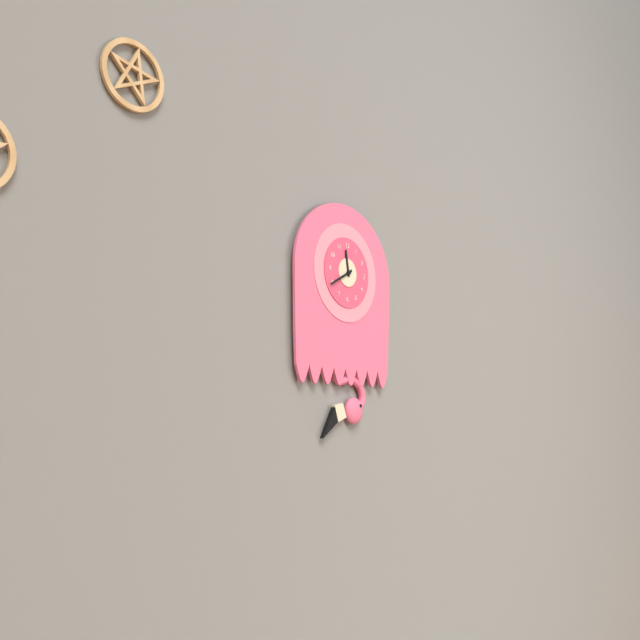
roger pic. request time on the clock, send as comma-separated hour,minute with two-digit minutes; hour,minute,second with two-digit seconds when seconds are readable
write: 11,40
